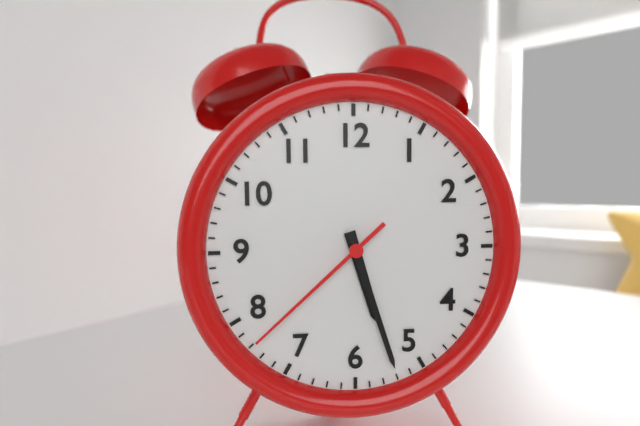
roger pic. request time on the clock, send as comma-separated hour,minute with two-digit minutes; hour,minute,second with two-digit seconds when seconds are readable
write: 5,27,38
